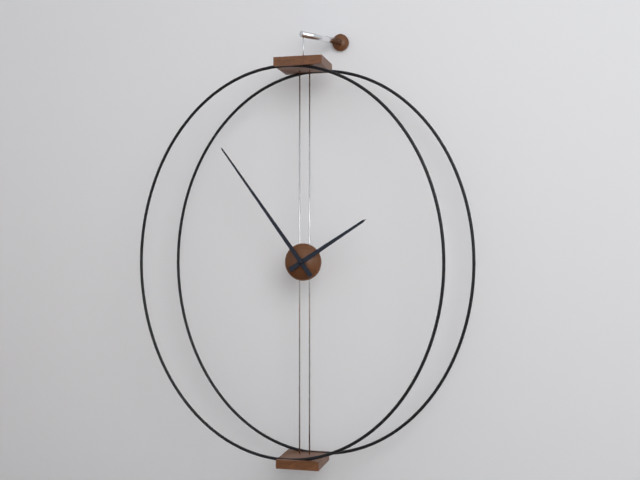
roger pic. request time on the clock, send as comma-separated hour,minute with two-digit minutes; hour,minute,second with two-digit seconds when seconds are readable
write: 1,54
